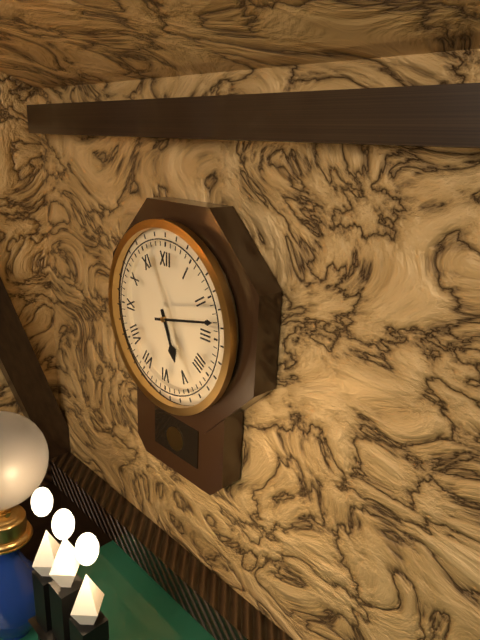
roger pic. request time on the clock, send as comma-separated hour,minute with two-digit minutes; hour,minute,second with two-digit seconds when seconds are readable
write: 5,13
